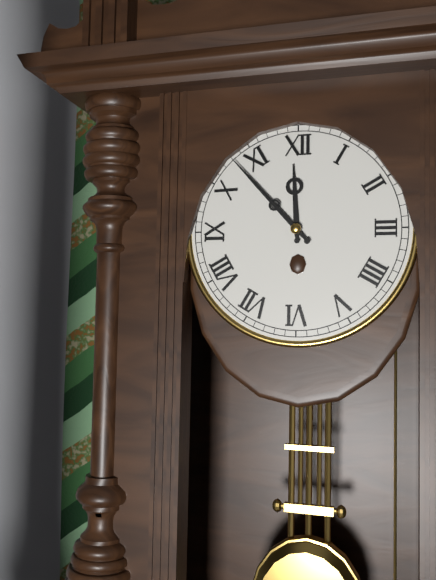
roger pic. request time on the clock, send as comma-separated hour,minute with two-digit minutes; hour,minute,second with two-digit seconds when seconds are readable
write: 11,53
